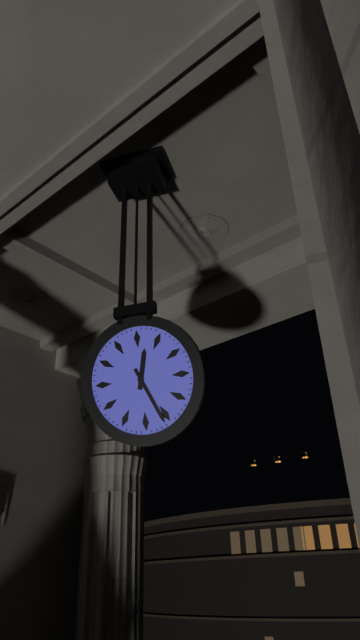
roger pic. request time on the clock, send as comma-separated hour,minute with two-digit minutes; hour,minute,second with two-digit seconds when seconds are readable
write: 12,26
